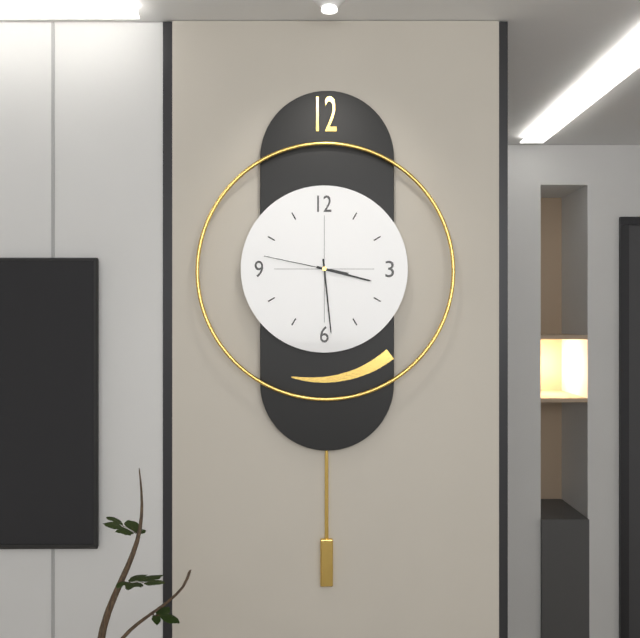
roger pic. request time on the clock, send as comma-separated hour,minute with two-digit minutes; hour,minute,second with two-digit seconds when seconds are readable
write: 3,29,47
